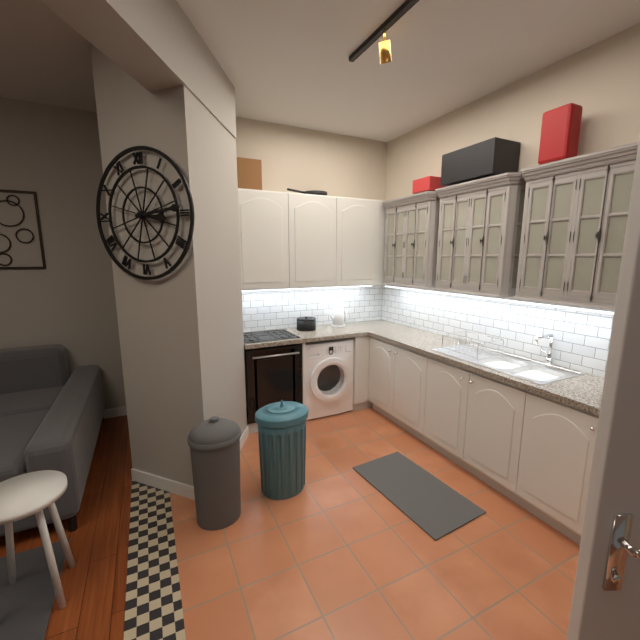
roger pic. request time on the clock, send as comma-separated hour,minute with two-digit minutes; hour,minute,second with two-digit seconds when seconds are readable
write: 3,14
